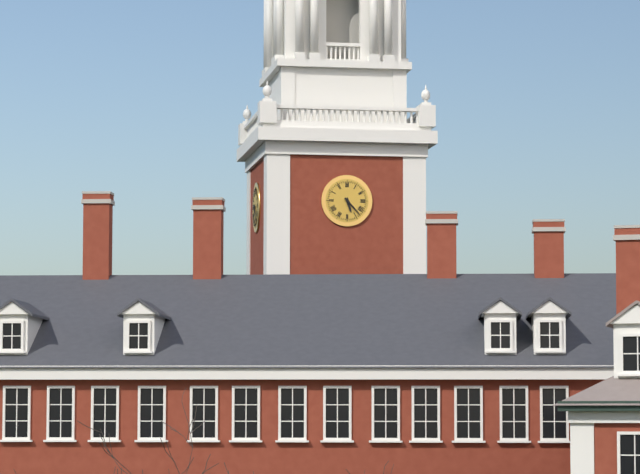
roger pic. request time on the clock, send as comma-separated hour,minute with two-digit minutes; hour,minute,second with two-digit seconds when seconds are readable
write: 5,23
